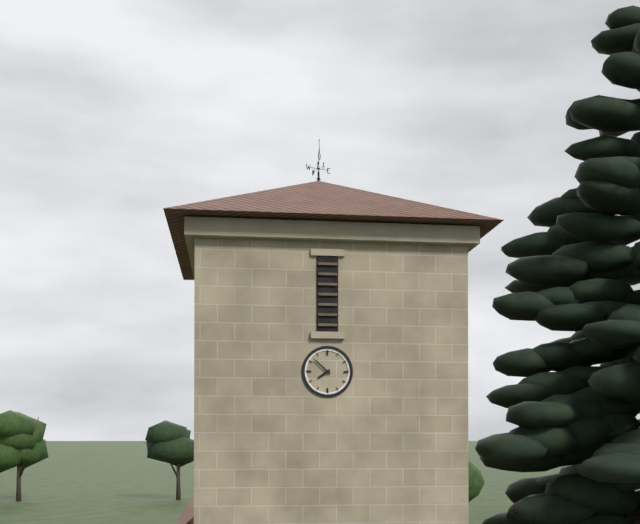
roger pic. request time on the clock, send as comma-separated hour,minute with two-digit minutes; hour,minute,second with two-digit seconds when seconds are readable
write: 7,52
